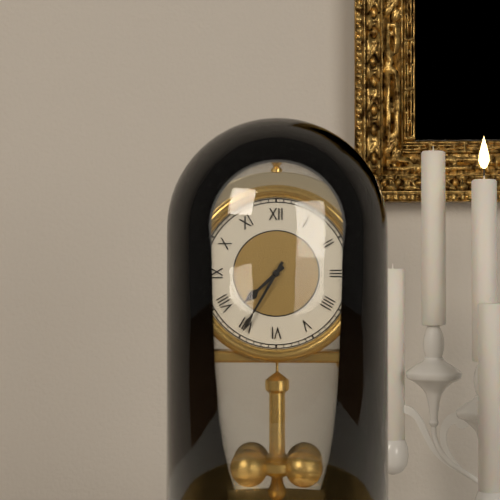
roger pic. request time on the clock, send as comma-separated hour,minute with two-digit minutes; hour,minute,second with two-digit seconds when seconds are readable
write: 7,35
